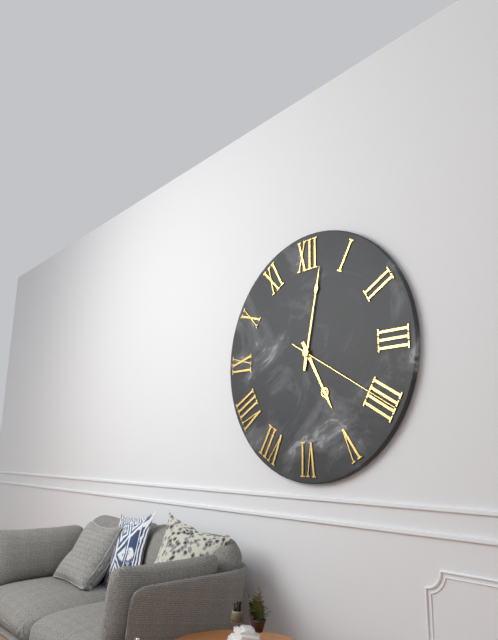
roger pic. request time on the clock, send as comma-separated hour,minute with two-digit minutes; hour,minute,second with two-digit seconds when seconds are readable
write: 5,02,20
